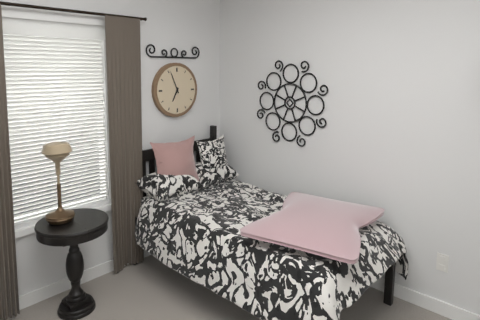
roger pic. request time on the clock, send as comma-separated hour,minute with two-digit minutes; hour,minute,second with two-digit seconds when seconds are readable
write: 6,56
